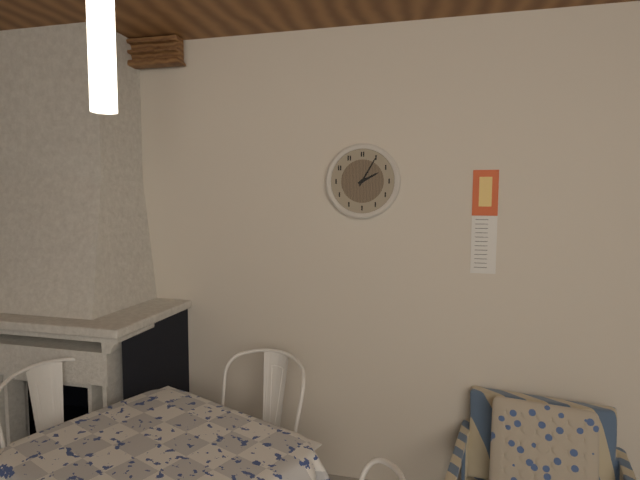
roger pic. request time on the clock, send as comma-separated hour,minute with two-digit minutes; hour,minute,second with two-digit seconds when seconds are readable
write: 2,05
